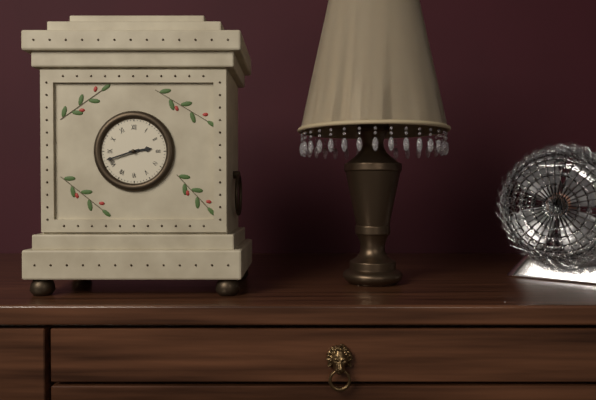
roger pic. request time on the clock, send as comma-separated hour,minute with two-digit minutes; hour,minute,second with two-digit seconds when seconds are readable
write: 2,42
